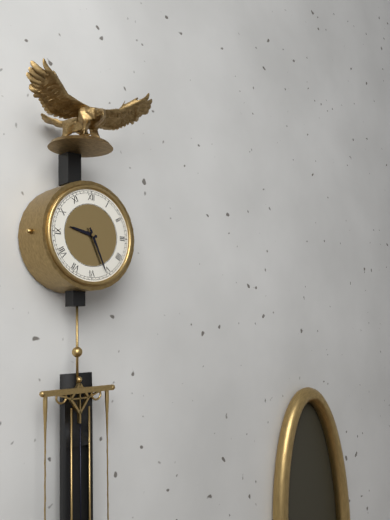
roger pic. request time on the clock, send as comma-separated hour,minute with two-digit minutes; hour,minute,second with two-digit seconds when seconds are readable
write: 9,26
